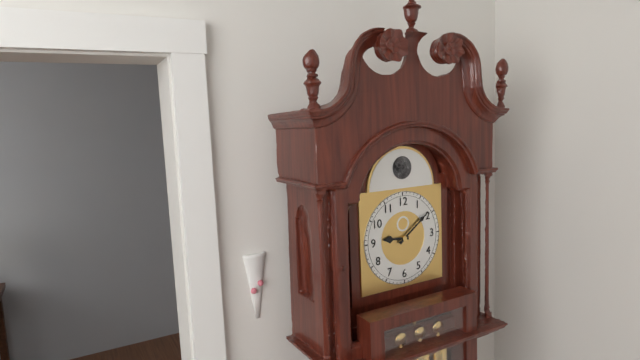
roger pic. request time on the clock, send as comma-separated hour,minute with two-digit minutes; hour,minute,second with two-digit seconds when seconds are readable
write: 9,09
